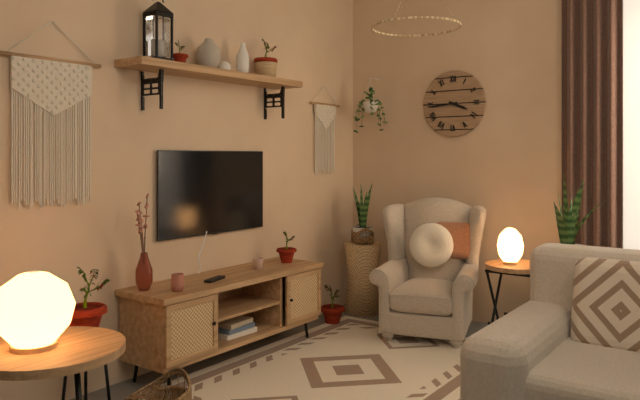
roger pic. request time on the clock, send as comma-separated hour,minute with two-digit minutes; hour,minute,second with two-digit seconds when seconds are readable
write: 3,44
